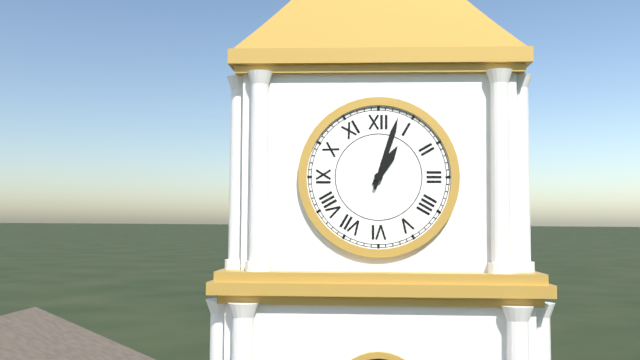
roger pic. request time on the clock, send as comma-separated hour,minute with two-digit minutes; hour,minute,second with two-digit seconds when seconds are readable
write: 1,03
